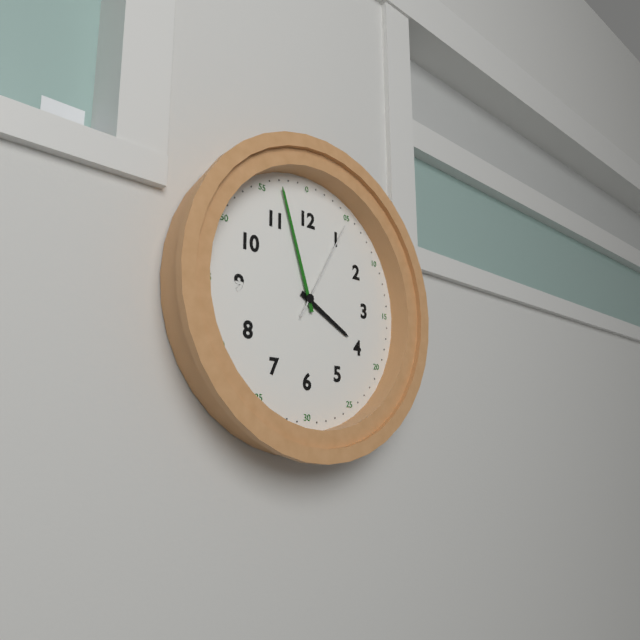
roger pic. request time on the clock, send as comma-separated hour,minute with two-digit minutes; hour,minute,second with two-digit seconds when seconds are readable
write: 3,57,05
